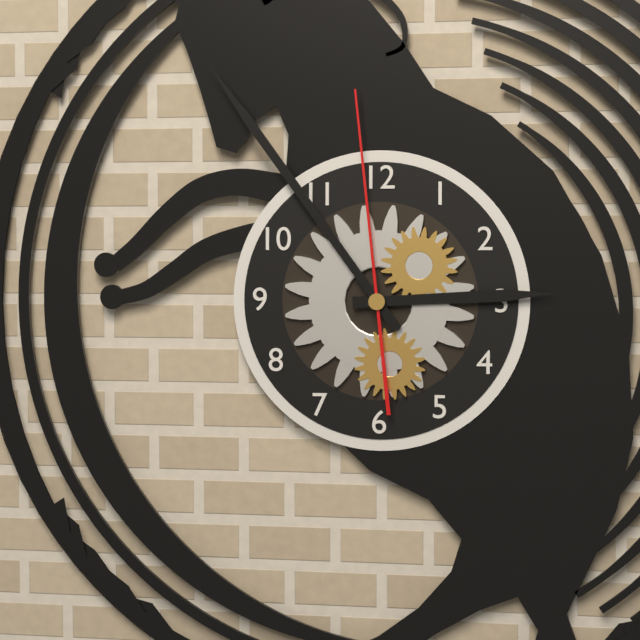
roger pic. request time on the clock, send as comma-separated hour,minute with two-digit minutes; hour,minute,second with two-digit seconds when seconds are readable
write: 2,54,59
